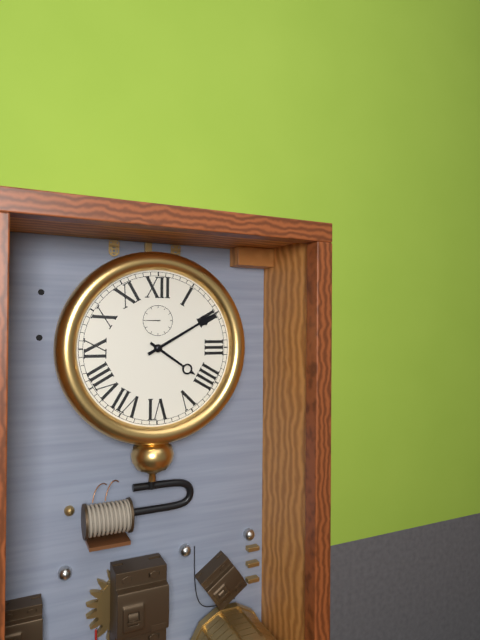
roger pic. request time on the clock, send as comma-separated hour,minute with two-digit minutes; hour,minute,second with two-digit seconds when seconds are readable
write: 4,10
